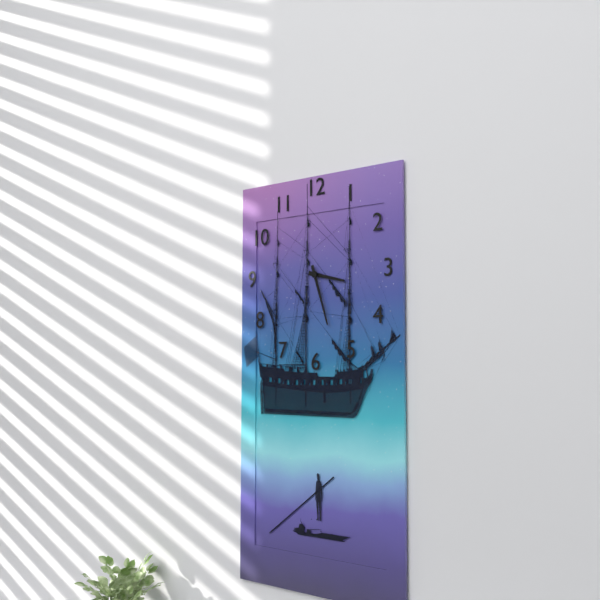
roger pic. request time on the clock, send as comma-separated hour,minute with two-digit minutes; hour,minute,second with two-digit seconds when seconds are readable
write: 3,27
